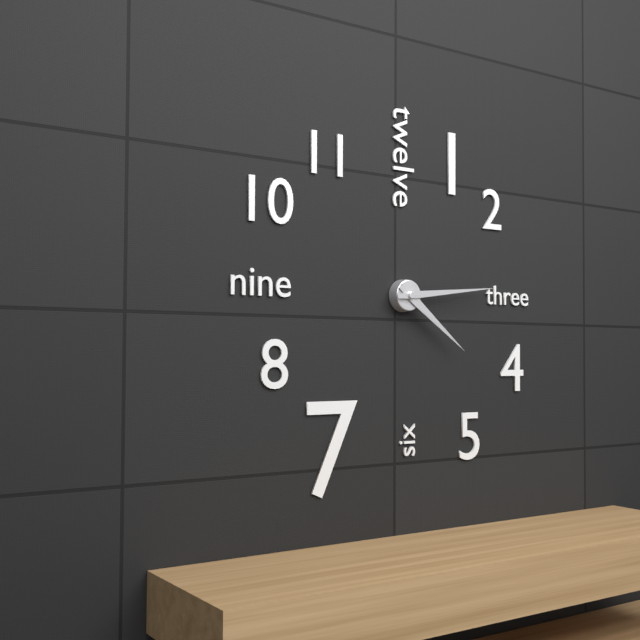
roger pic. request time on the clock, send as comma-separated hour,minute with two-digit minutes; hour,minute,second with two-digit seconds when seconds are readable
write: 4,14
